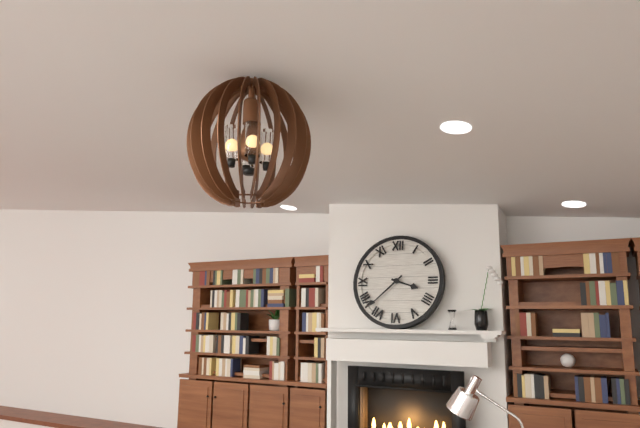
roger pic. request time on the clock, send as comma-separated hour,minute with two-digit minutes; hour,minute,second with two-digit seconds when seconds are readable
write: 3,38
